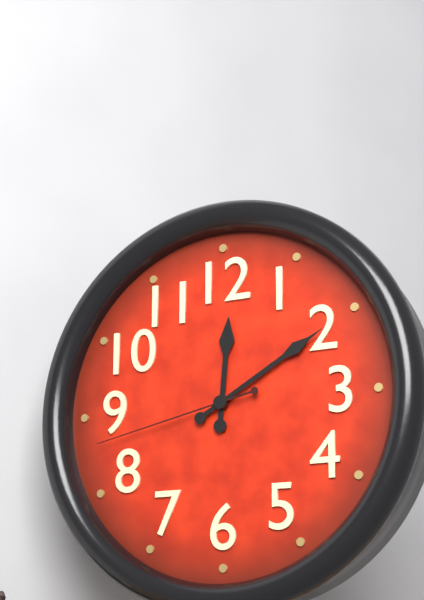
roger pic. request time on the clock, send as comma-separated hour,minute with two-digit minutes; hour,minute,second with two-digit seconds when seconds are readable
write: 12,10,43
